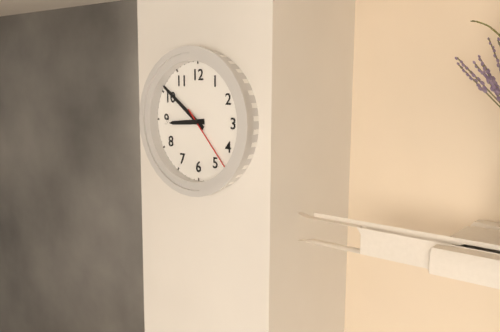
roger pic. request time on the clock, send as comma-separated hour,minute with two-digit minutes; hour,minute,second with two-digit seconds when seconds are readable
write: 8,51,23
